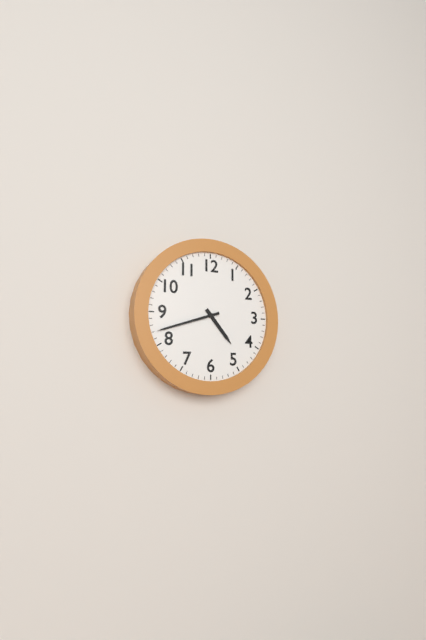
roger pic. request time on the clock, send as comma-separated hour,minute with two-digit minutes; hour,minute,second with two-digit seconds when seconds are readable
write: 4,42
